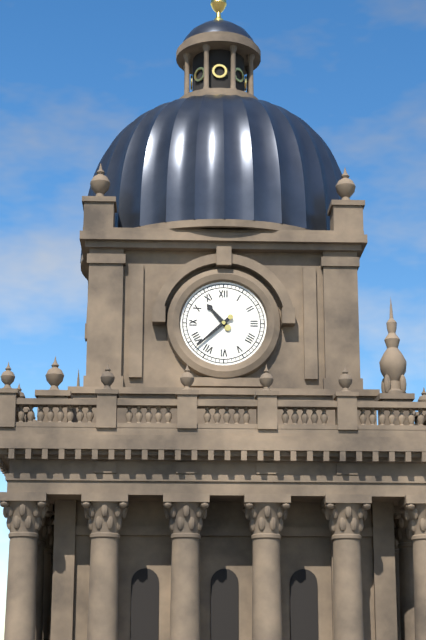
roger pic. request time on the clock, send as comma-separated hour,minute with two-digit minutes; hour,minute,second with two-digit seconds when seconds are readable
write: 10,38
